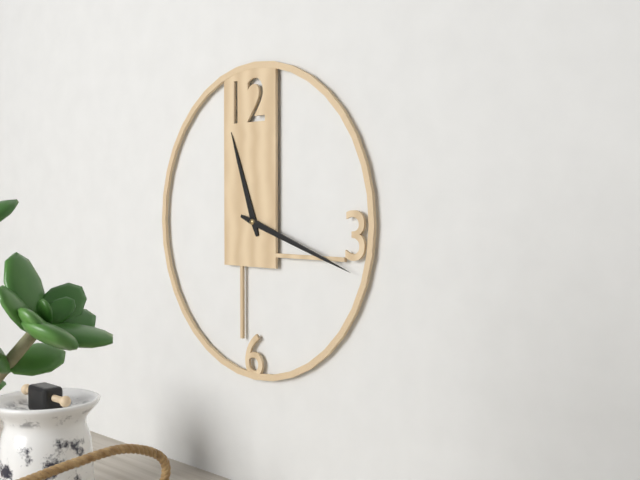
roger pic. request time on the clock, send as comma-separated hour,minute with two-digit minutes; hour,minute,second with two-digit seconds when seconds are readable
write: 11,18
